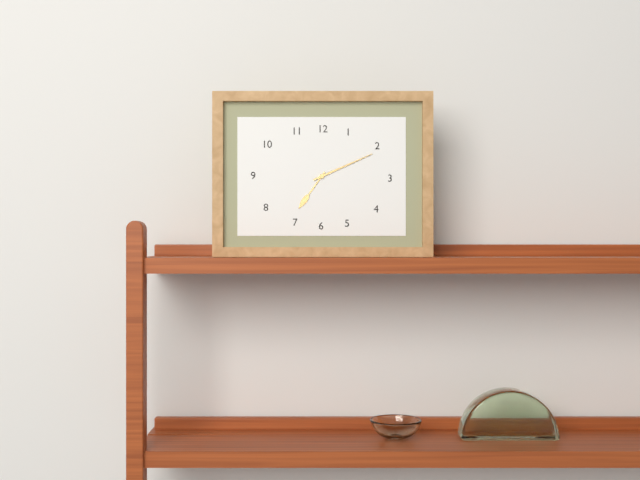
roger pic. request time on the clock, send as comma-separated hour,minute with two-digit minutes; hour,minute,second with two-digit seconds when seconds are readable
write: 7,11
